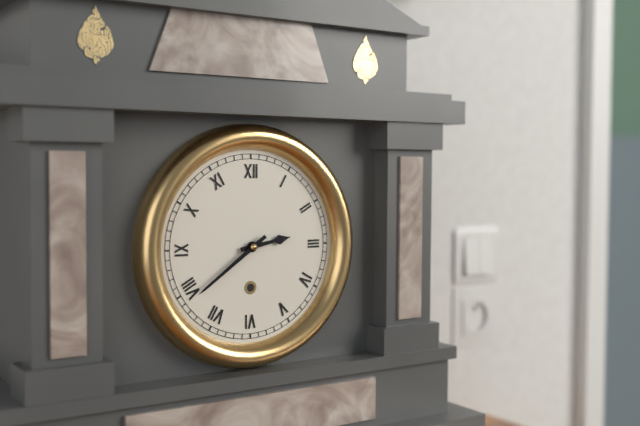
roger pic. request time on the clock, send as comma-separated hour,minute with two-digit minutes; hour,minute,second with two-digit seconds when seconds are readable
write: 2,39
